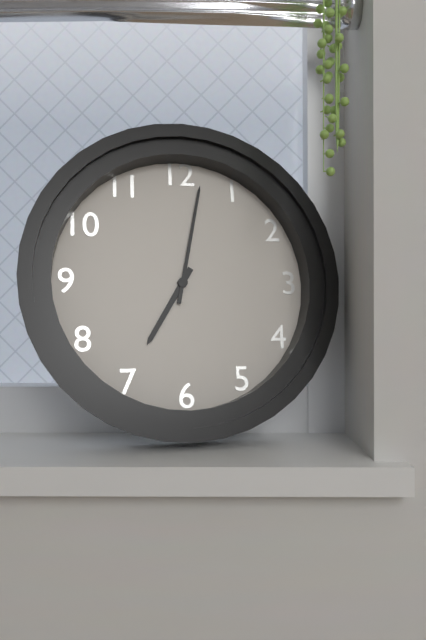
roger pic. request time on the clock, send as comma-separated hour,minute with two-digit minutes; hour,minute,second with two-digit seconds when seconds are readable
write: 7,02
